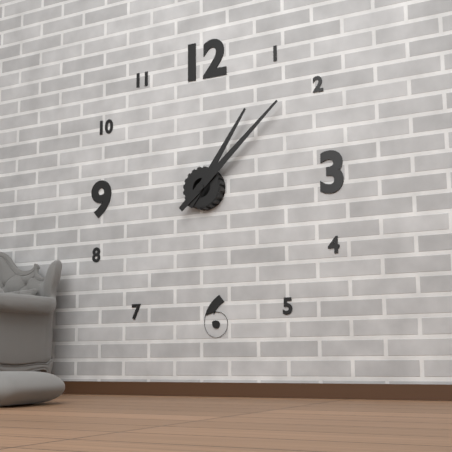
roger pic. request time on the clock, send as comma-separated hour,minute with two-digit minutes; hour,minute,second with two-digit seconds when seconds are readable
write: 1,08
